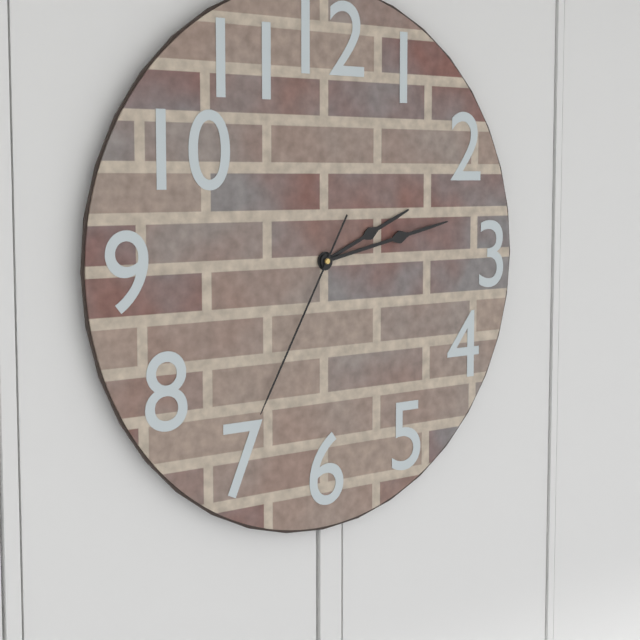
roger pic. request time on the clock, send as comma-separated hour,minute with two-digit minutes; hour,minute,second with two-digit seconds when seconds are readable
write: 2,13,35
